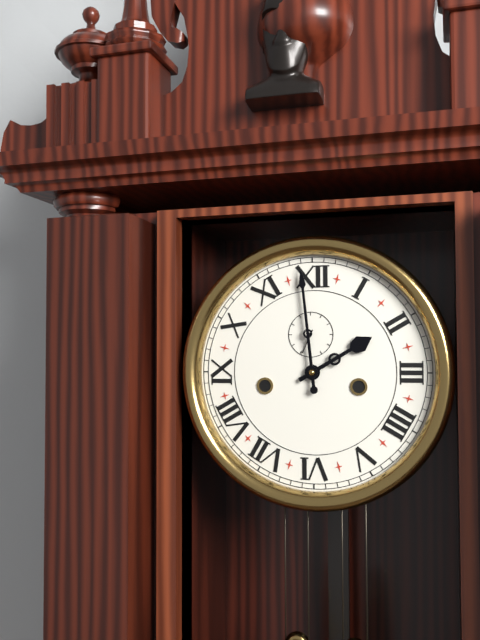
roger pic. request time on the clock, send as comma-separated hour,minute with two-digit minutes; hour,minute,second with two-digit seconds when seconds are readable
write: 1,59
